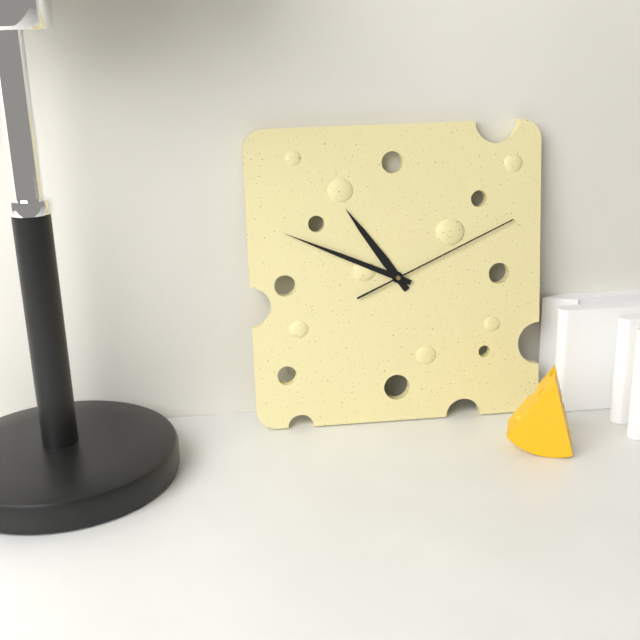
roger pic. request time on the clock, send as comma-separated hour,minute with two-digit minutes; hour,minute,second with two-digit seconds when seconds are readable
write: 10,49,11
